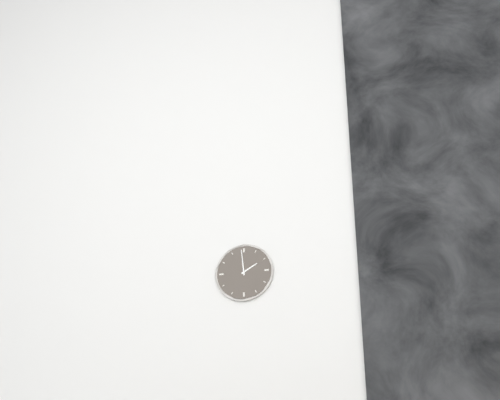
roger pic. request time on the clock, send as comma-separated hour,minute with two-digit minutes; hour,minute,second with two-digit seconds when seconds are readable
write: 1,59
